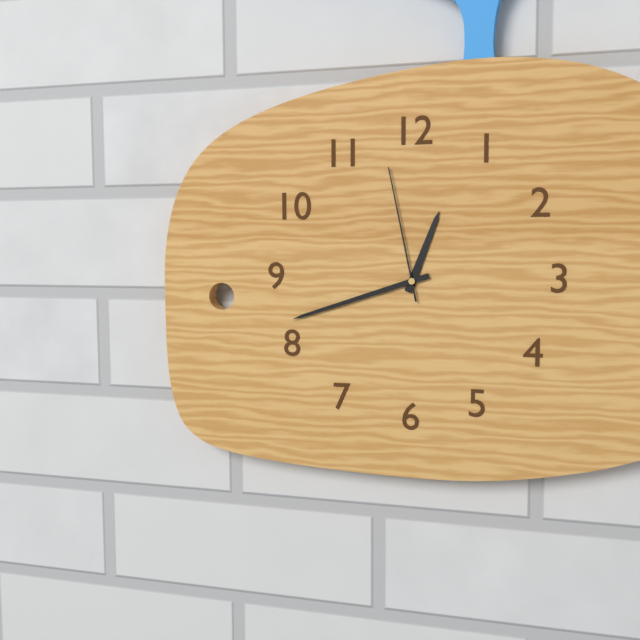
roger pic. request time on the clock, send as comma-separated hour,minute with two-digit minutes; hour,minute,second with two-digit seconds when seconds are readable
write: 12,42,58
